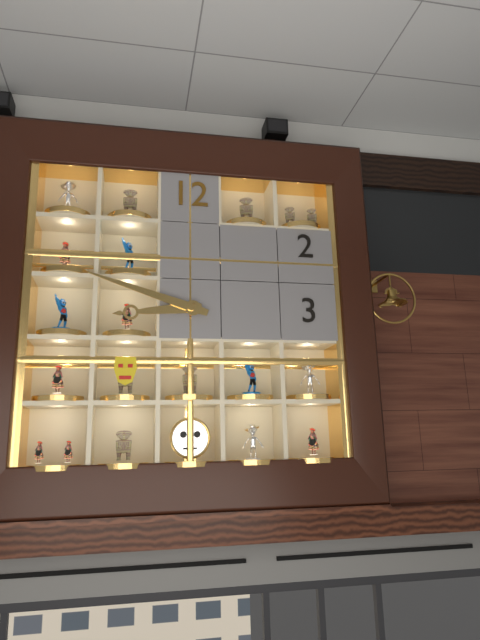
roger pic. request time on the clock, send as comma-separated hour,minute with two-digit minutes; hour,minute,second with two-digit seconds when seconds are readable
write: 8,48
